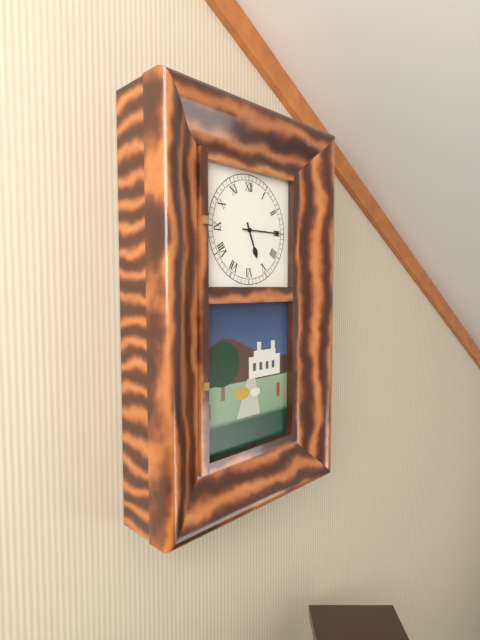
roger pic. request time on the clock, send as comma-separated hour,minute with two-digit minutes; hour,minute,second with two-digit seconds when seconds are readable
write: 5,15
